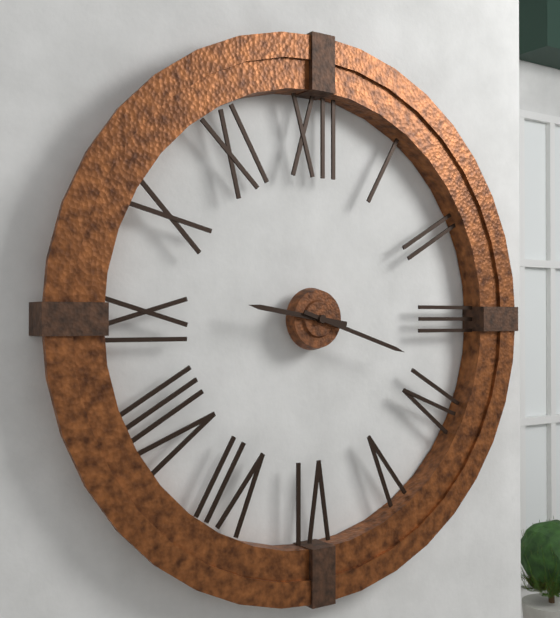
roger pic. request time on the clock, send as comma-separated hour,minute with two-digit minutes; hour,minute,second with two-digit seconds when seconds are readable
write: 9,18
